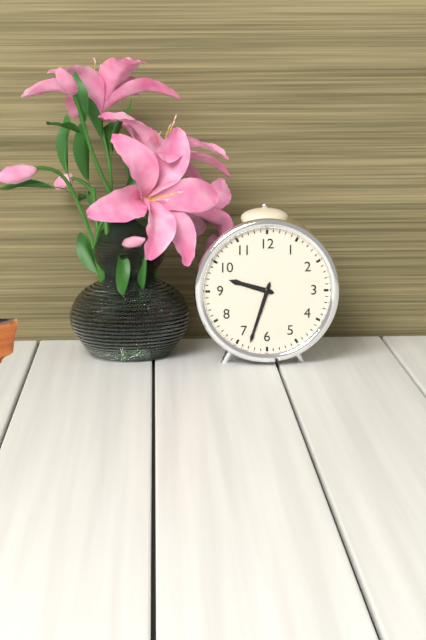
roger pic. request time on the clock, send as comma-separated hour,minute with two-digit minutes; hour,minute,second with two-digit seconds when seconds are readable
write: 9,33
